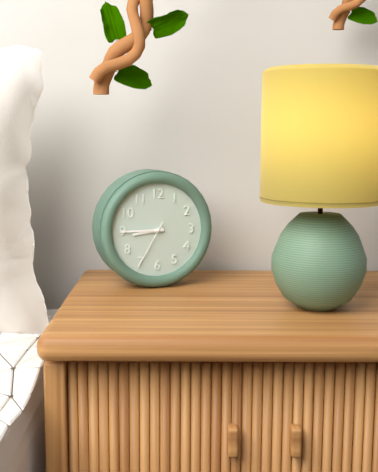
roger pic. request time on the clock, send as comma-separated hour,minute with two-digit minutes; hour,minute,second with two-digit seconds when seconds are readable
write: 8,45,35
